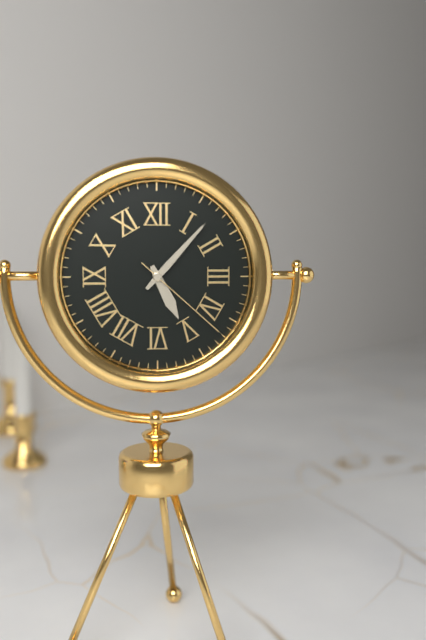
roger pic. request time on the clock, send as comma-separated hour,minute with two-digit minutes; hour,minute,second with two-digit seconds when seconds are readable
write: 5,07,22
